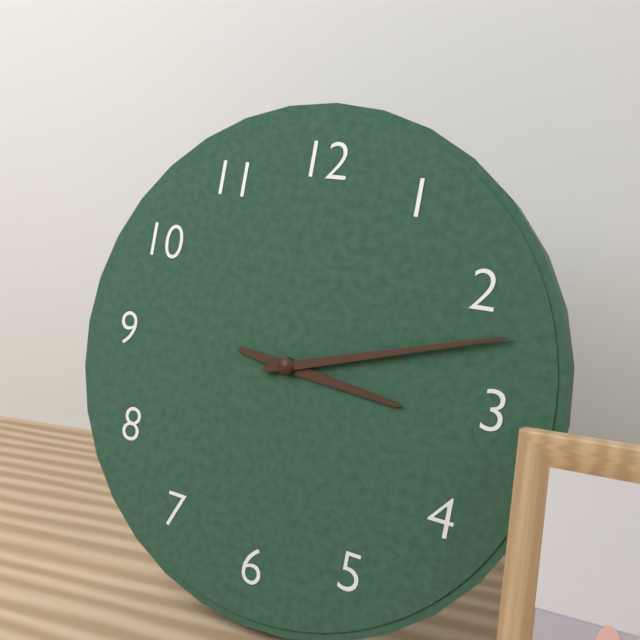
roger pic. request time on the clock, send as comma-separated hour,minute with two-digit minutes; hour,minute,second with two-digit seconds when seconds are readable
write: 3,12
